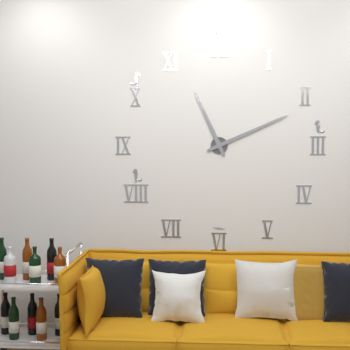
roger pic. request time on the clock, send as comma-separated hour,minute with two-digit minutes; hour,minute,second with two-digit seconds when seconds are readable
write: 11,11
